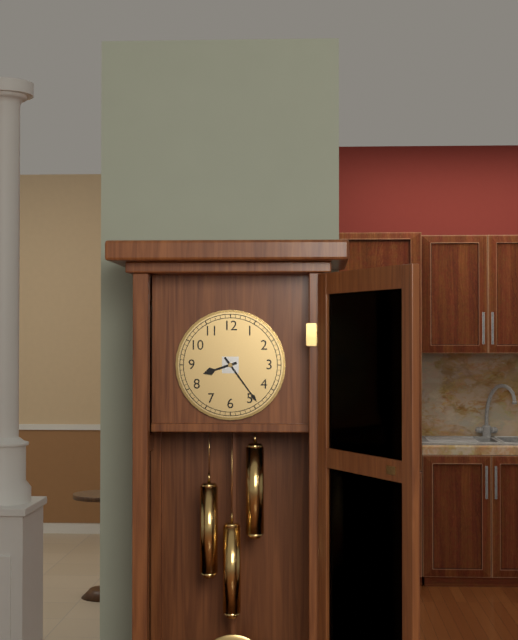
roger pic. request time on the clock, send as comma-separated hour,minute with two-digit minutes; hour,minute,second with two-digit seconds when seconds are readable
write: 8,24
